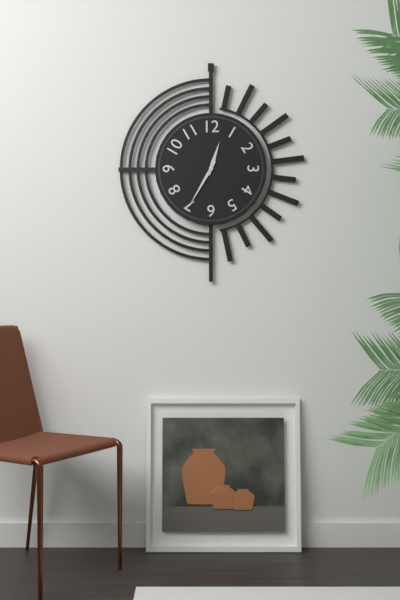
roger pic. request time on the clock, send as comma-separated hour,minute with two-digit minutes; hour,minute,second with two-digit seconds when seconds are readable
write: 12,35
